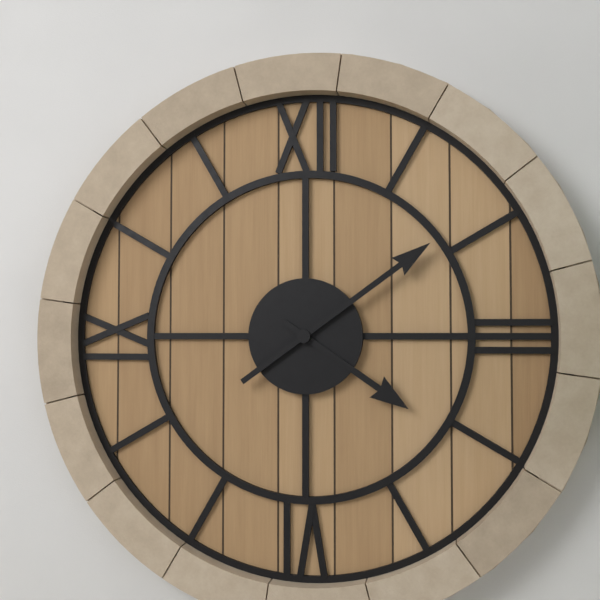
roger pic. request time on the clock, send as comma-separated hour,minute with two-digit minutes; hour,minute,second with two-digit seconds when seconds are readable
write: 4,09
